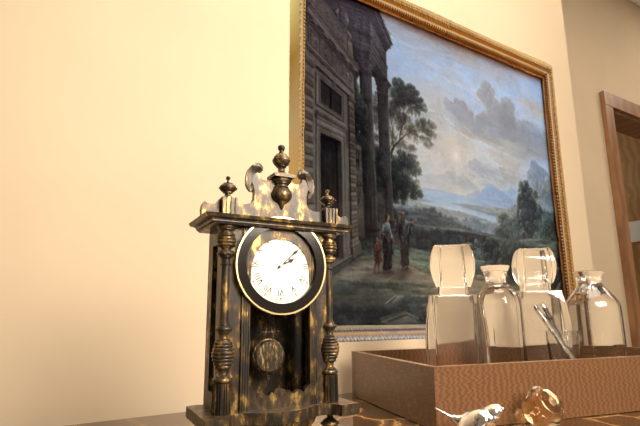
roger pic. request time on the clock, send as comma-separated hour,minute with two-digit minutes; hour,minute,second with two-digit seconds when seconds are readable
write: 2,08
